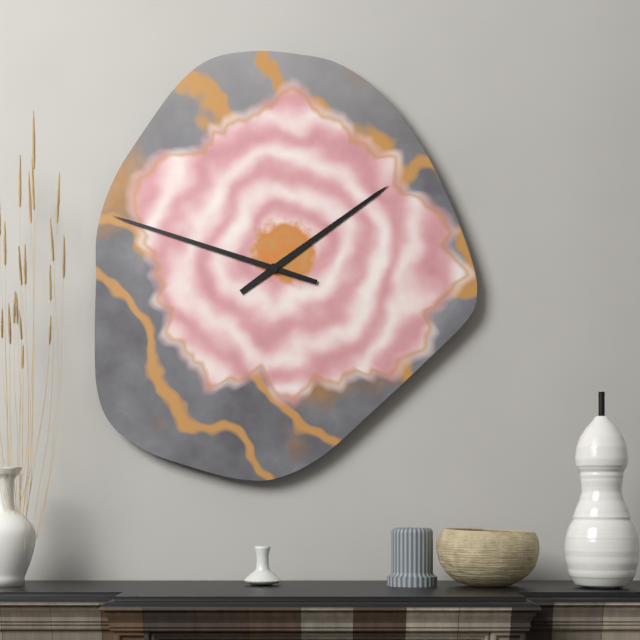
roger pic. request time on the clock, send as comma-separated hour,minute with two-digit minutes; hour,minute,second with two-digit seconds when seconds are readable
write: 1,48
